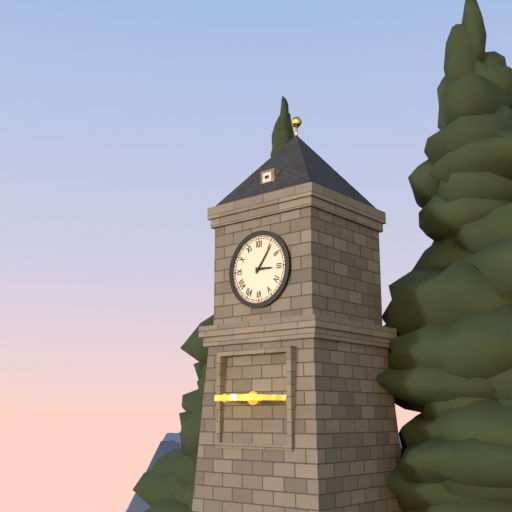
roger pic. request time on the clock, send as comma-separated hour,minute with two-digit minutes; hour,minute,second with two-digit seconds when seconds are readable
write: 3,06
